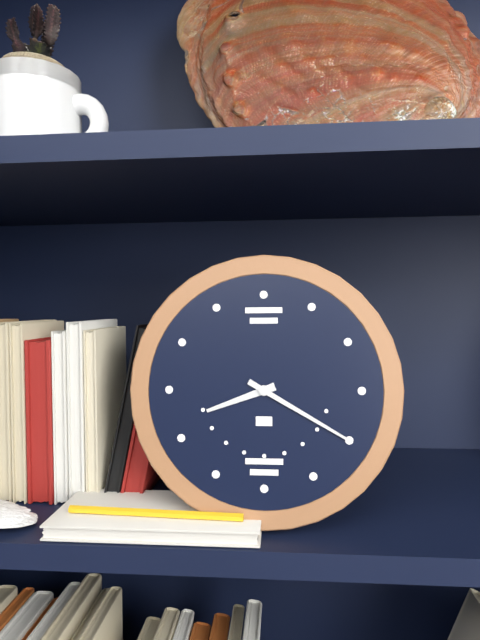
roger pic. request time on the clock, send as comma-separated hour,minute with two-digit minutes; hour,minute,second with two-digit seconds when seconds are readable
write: 8,20
